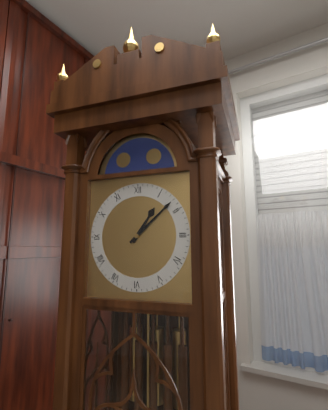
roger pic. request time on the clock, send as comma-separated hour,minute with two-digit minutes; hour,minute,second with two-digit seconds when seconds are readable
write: 1,08
